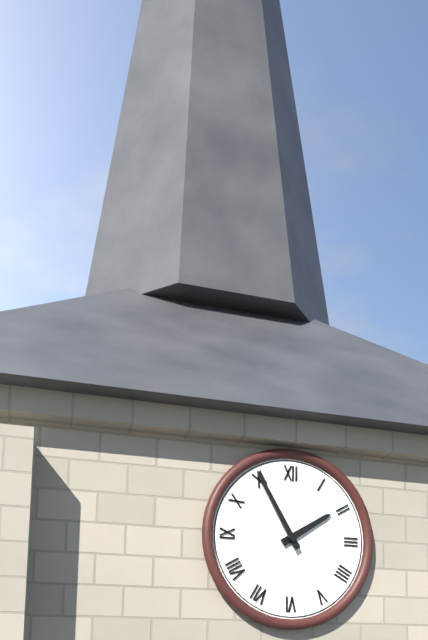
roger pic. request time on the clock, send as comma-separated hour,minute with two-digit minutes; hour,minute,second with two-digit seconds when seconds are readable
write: 1,55
